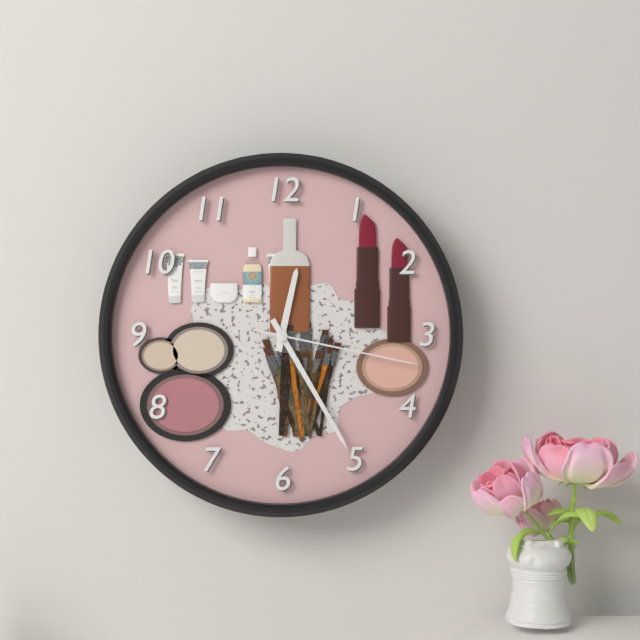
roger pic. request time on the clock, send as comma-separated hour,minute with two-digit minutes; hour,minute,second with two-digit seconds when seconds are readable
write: 12,25,17
